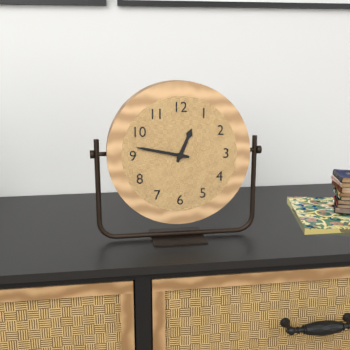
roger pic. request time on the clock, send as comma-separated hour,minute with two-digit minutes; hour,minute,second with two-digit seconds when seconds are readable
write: 12,47
